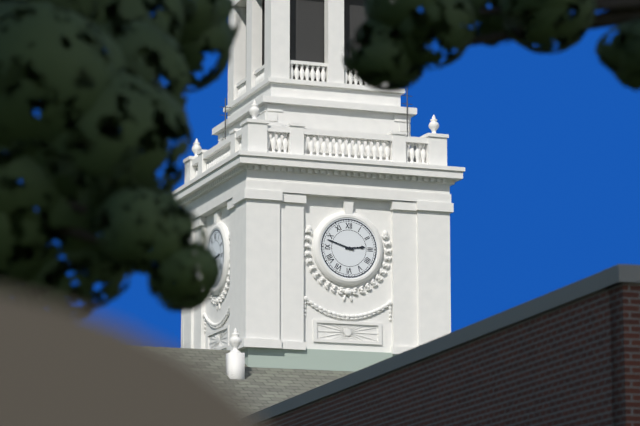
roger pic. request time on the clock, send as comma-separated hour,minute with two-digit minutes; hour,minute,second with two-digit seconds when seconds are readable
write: 2,48
